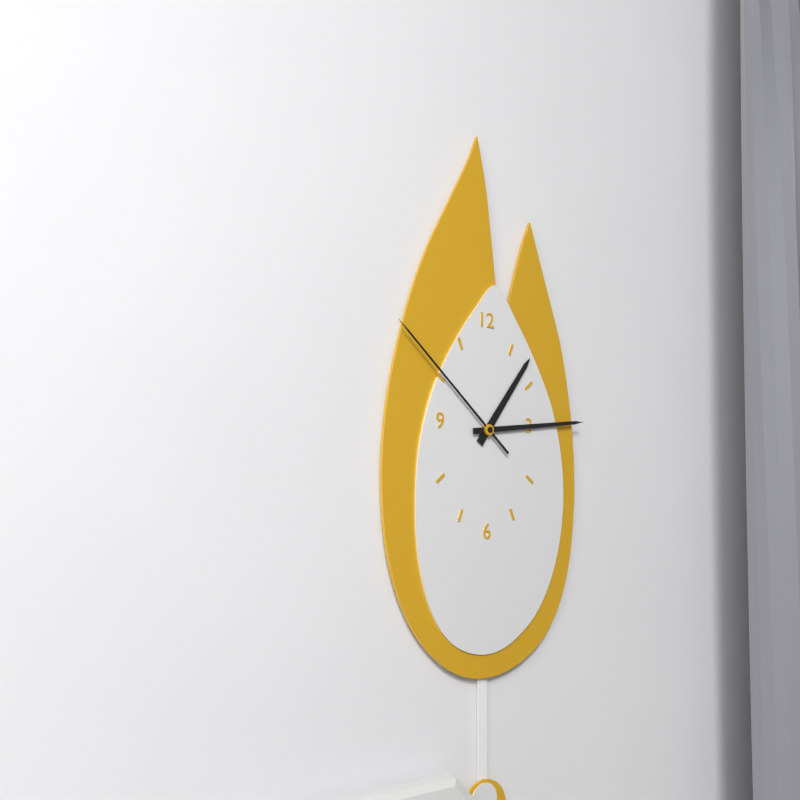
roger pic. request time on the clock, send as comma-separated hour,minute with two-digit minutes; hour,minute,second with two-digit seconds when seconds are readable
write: 1,14,52
